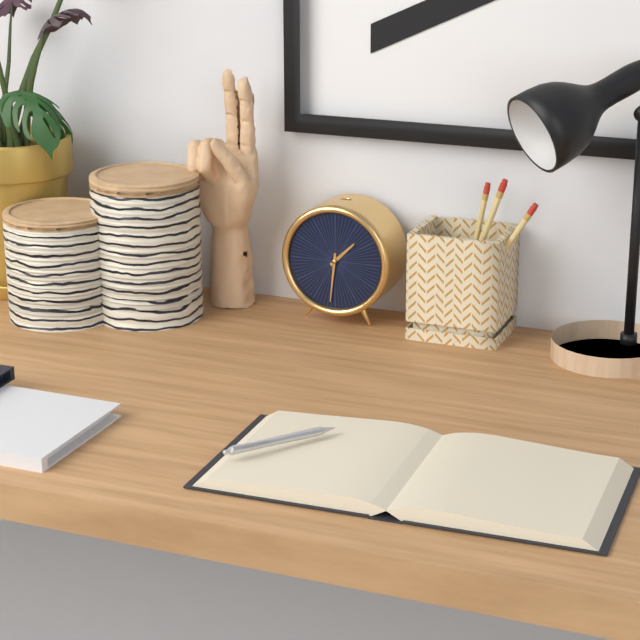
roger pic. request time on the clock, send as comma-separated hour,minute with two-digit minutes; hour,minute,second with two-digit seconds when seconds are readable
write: 1,31
